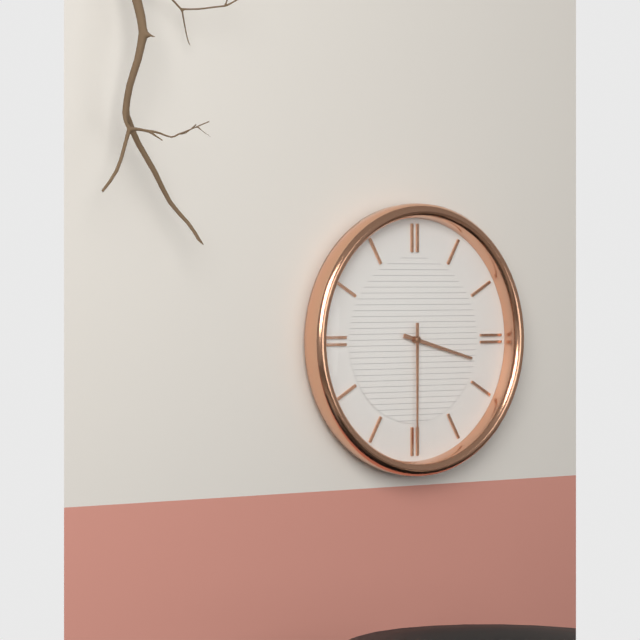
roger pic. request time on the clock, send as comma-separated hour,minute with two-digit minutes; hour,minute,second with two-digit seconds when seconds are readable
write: 3,30
